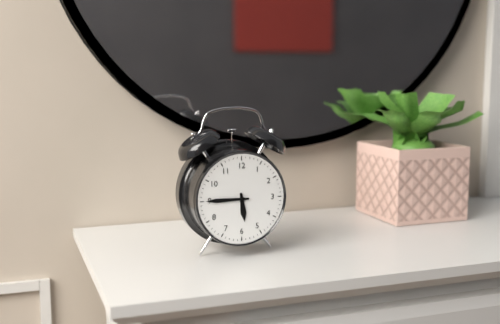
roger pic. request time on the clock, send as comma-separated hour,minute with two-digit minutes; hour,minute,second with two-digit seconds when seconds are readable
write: 5,45
